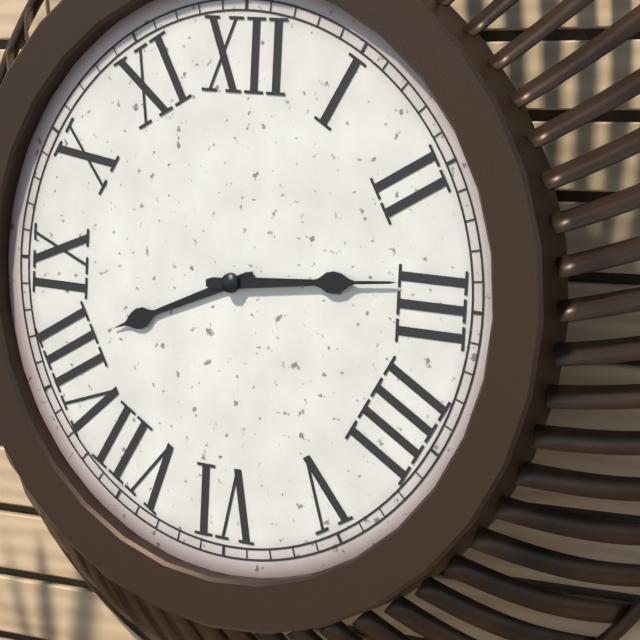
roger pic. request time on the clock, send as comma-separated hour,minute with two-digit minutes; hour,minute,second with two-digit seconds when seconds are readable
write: 8,14
